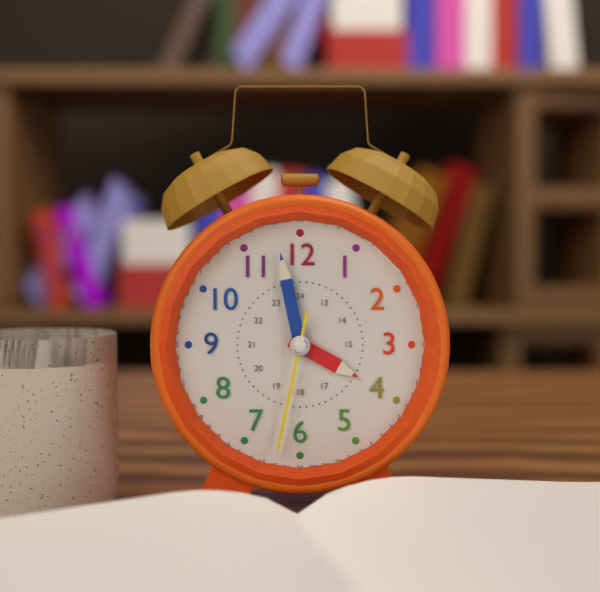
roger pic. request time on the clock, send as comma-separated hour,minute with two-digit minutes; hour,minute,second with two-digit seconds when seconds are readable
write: 3,58,32
